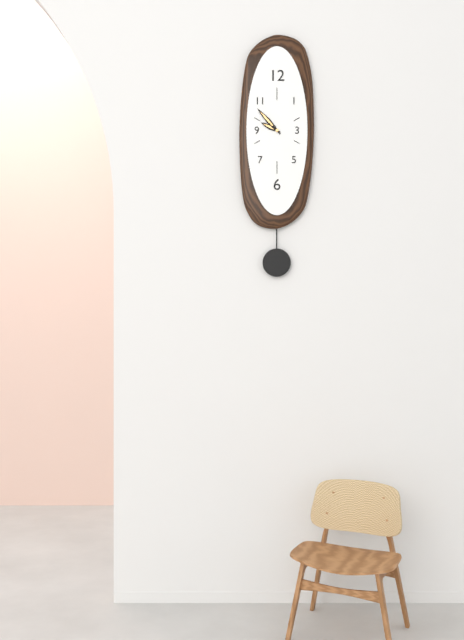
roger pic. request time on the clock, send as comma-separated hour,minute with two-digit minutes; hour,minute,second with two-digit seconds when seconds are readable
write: 9,53
